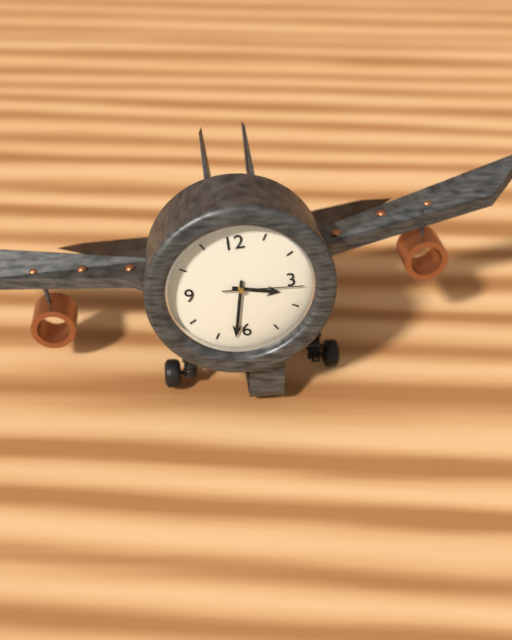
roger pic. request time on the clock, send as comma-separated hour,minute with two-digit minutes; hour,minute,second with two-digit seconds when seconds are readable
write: 3,32,16
